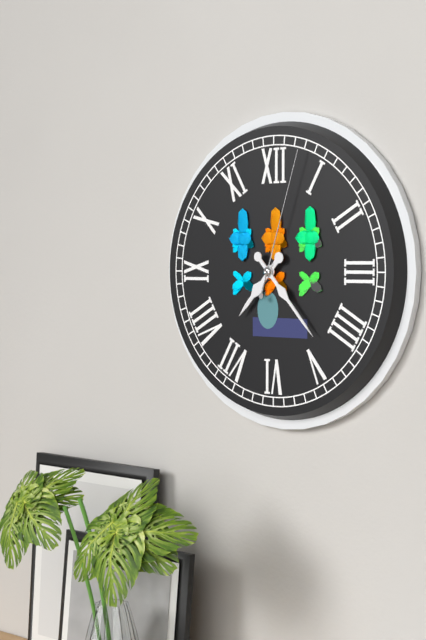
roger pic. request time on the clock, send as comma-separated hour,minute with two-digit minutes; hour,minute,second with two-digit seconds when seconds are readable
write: 7,23,03
